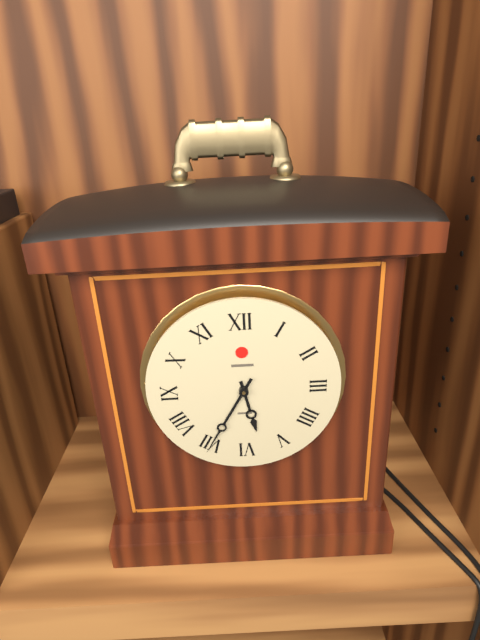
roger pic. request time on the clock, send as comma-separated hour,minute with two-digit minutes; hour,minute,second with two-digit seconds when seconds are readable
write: 5,35
